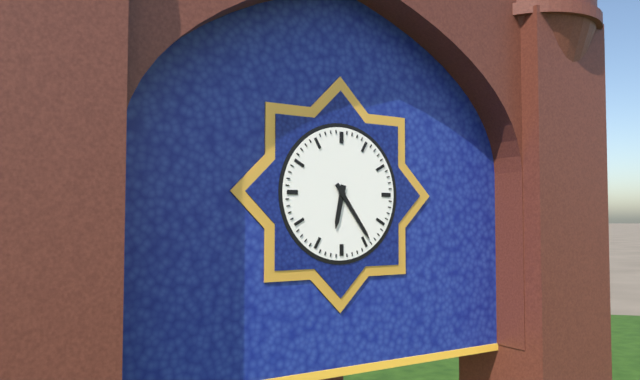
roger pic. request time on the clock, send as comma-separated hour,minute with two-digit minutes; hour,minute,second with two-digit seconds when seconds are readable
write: 6,24
